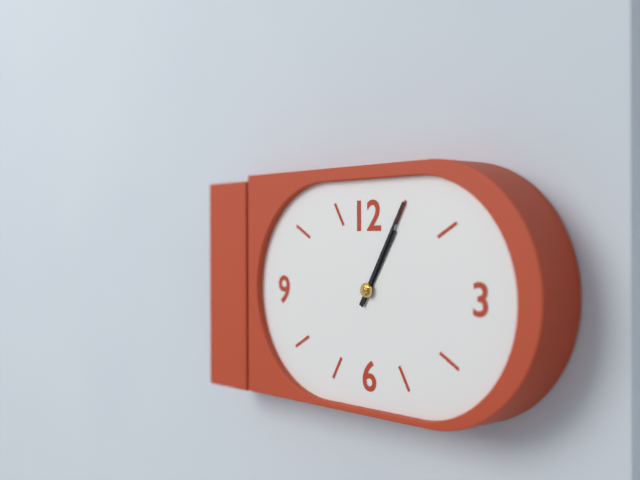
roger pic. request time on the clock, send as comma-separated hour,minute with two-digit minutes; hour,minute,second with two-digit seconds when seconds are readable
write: 1,05
